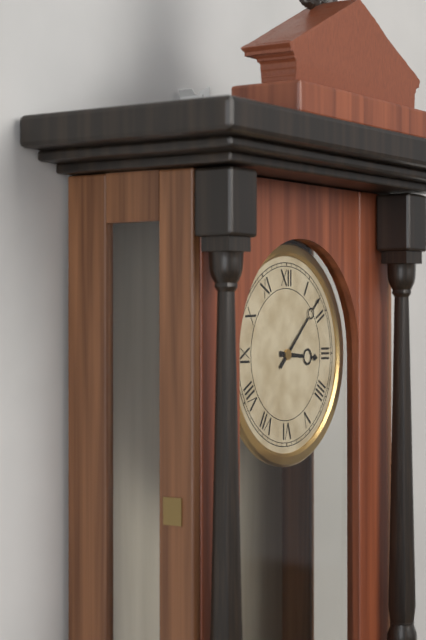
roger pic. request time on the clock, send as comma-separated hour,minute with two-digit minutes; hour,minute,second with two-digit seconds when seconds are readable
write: 3,08
